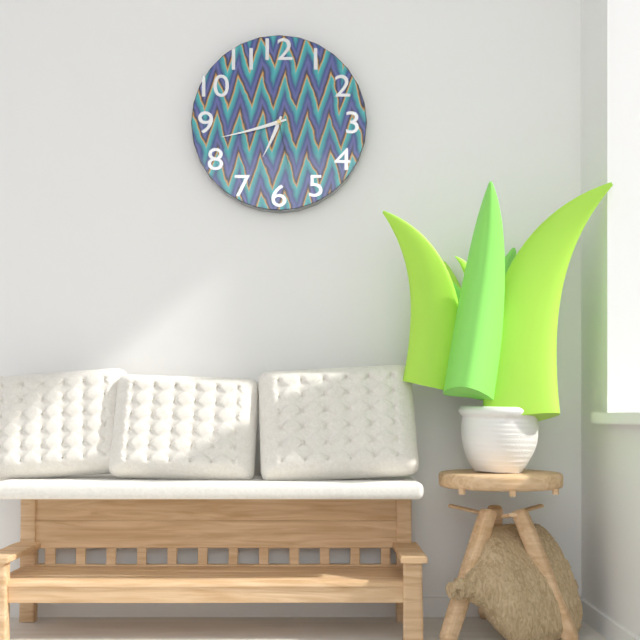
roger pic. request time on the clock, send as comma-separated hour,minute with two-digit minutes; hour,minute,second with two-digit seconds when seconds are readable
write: 6,42,28
